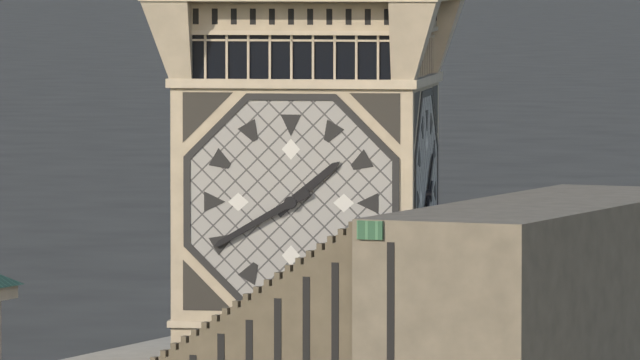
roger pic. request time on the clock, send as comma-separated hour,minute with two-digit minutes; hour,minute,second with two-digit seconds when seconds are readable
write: 1,40
